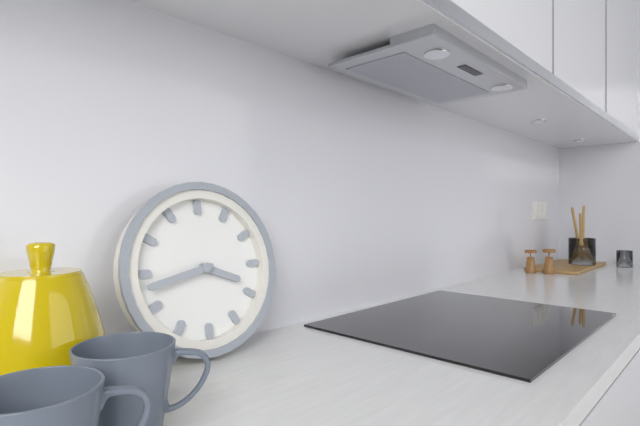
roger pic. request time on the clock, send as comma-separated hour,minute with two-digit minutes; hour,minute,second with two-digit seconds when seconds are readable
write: 3,43
